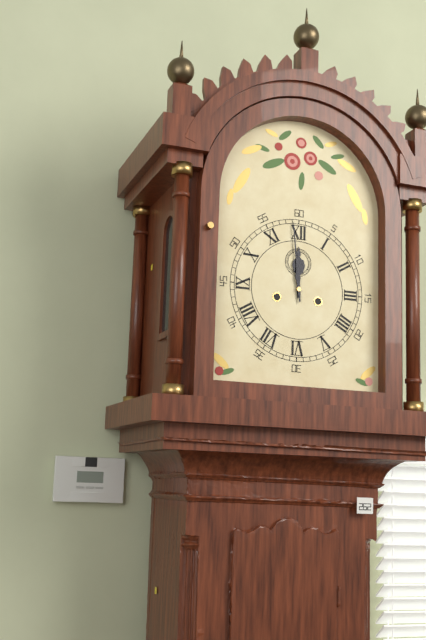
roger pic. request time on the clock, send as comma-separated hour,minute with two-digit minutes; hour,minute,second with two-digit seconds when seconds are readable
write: 11,59
